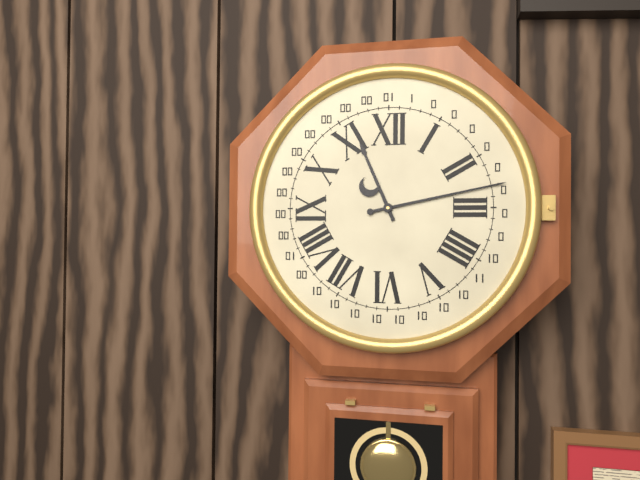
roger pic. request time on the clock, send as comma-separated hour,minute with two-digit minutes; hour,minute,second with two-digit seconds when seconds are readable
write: 11,13
